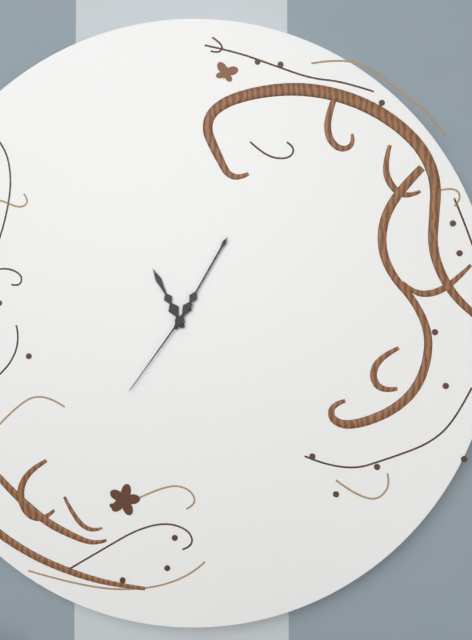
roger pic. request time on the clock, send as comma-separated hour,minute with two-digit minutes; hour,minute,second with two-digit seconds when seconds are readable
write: 11,05,36
